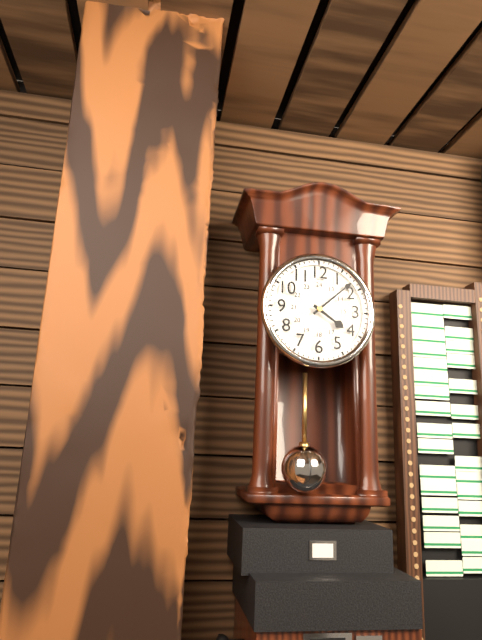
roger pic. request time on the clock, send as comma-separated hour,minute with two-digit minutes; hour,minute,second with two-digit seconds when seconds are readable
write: 4,08
